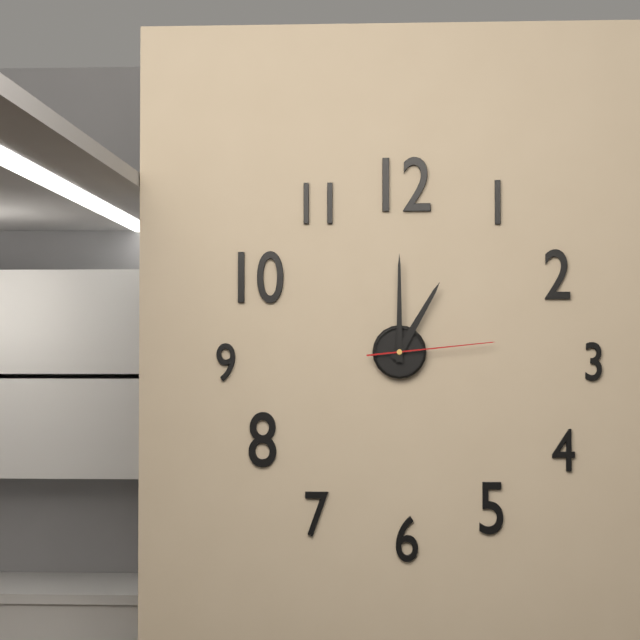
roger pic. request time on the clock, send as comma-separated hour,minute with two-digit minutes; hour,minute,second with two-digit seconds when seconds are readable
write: 1,00,14
